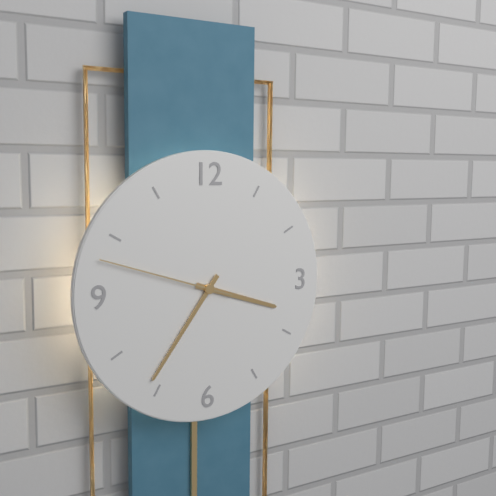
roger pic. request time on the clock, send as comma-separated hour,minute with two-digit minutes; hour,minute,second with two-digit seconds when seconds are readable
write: 3,36,48
